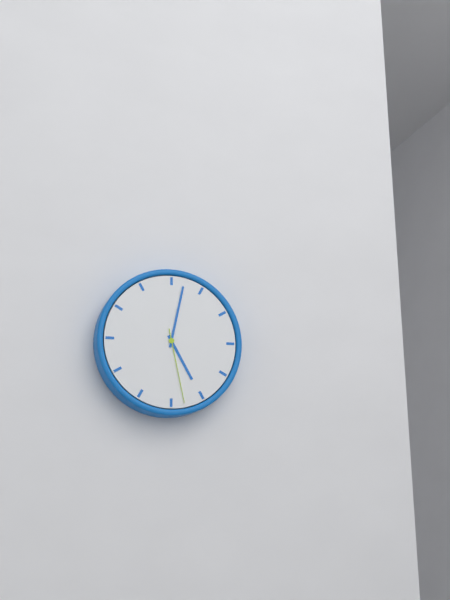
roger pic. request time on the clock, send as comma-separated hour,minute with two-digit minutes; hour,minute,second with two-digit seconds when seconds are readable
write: 5,02,28
